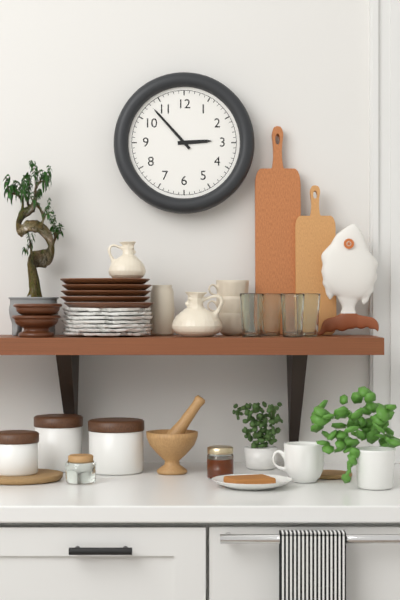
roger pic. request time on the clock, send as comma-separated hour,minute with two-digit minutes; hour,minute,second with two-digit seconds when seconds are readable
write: 2,53
